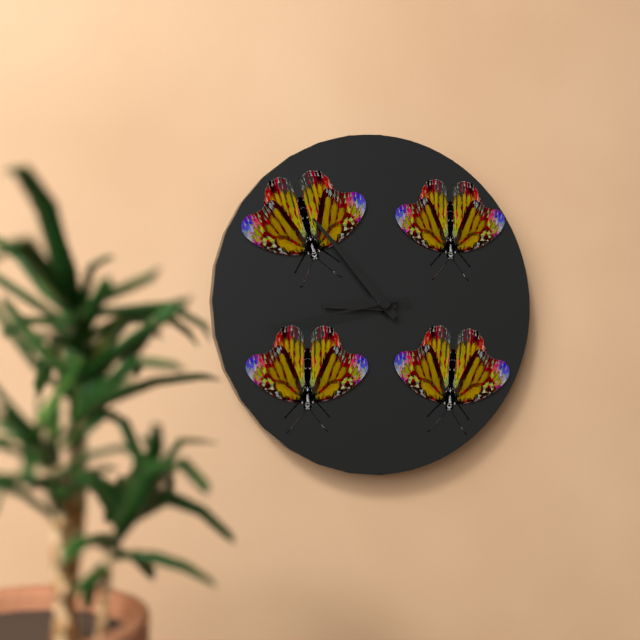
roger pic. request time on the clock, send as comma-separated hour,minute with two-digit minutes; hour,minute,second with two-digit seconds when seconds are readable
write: 8,53,43
